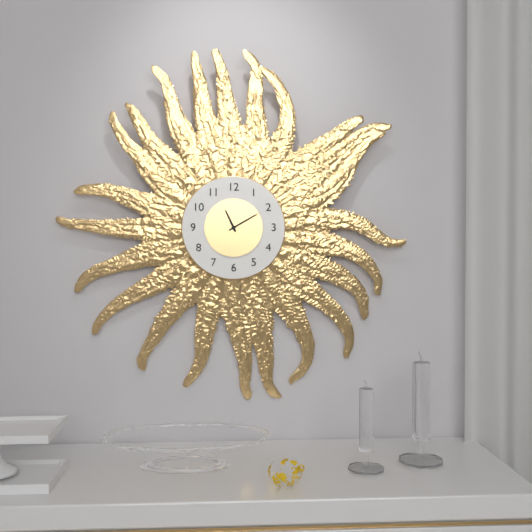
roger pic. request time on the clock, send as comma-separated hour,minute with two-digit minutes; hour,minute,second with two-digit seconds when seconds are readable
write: 11,10
